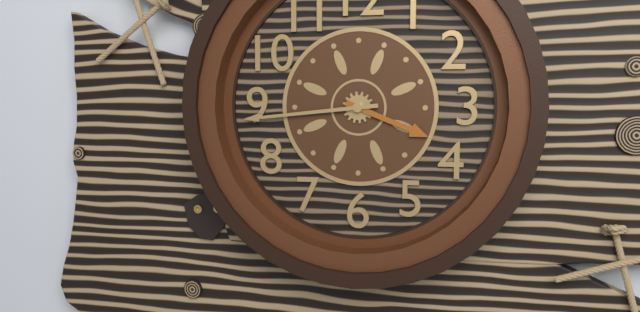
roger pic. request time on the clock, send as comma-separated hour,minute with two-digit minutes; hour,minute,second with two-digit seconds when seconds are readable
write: 3,44
